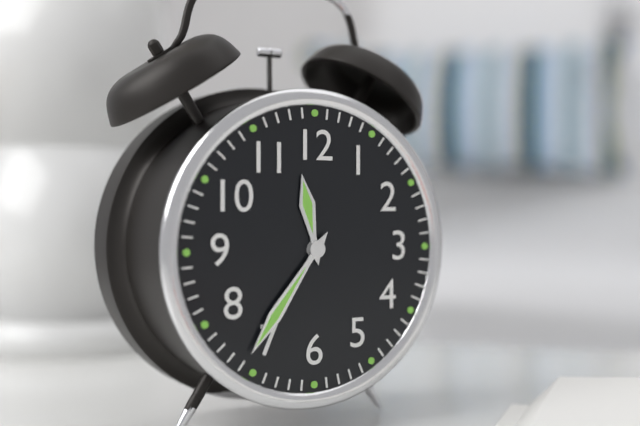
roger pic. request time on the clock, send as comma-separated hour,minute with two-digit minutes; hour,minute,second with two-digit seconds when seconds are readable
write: 11,36
